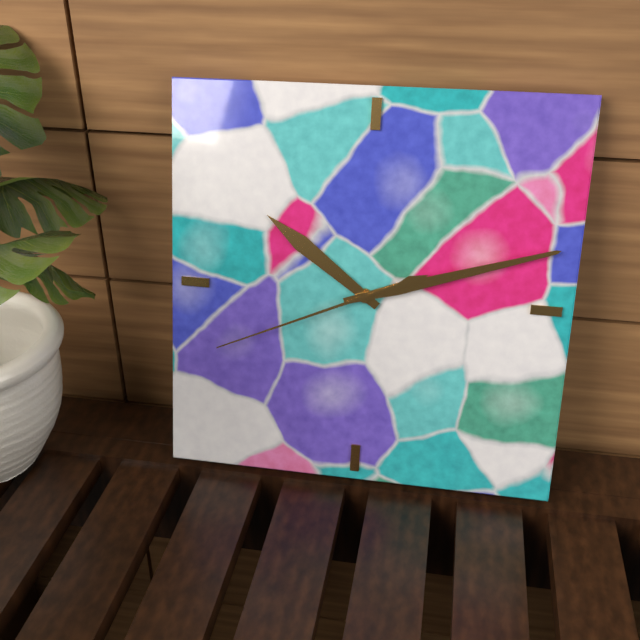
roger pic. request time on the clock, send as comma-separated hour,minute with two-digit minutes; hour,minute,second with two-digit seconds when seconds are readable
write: 10,12,41
